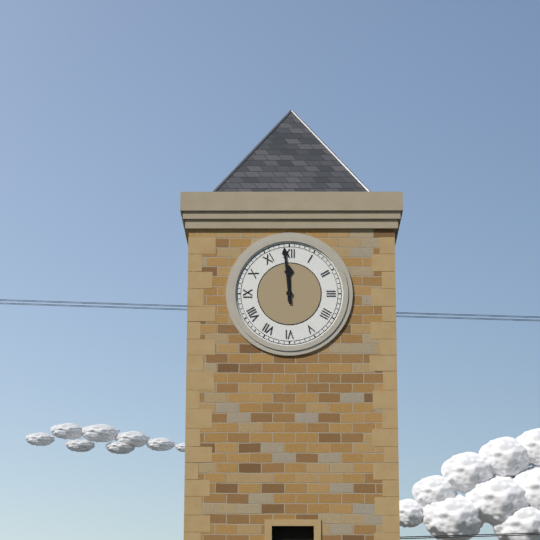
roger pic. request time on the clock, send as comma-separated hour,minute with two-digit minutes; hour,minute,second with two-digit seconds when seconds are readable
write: 11,59
